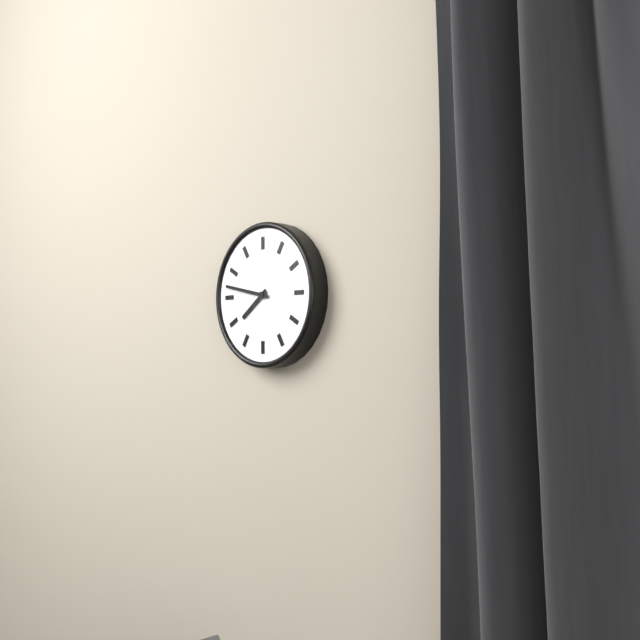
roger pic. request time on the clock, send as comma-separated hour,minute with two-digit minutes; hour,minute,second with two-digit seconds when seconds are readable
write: 7,47
